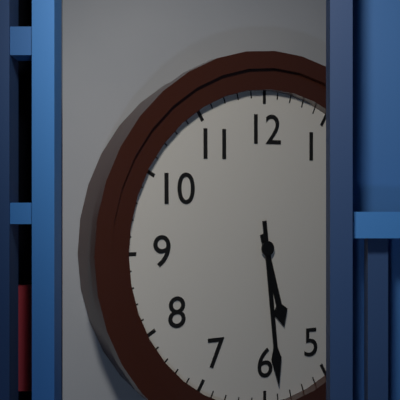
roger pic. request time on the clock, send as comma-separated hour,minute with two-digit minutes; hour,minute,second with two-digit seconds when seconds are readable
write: 5,29
